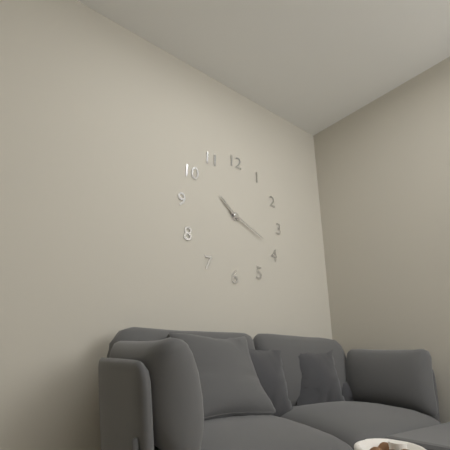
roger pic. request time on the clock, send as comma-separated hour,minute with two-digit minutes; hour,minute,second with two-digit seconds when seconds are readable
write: 10,19
